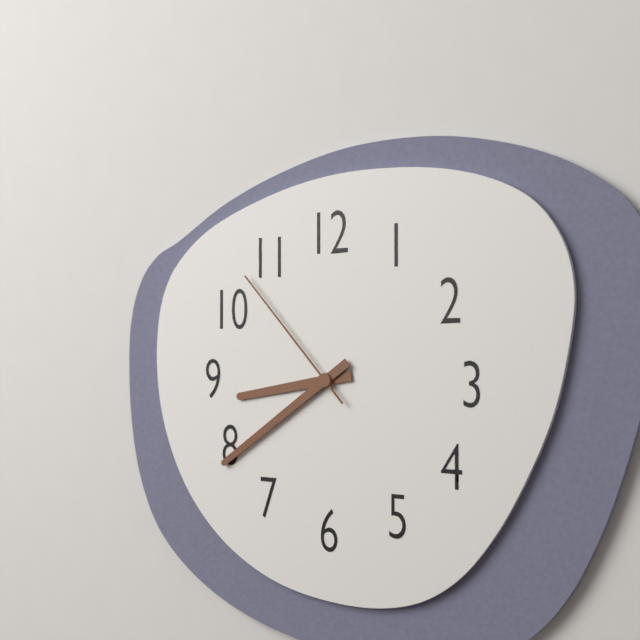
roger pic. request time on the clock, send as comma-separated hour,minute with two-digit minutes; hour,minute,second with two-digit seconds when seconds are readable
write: 8,39,53
